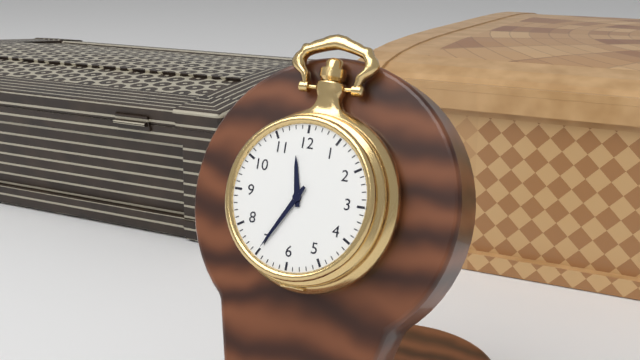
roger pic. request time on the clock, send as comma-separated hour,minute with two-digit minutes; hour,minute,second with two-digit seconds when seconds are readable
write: 11,35
